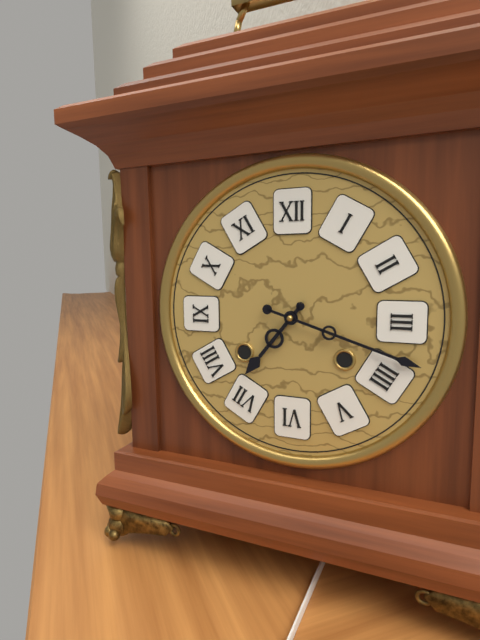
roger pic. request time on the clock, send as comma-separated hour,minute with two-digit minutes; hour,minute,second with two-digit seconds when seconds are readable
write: 7,18
